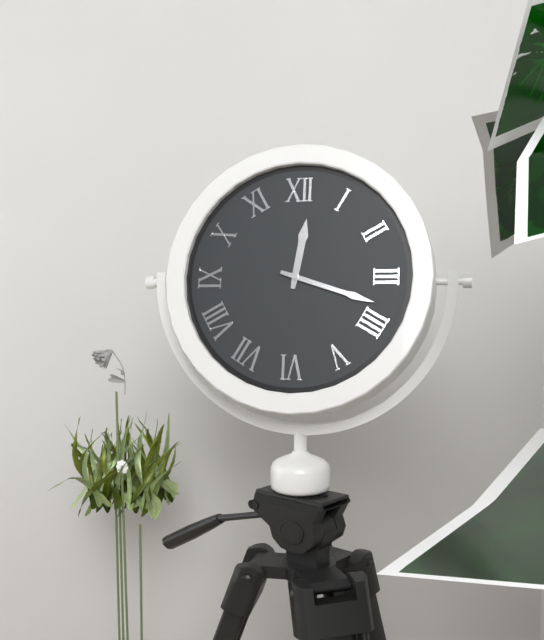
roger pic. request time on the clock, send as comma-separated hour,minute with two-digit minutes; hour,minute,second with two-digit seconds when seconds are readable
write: 12,18
